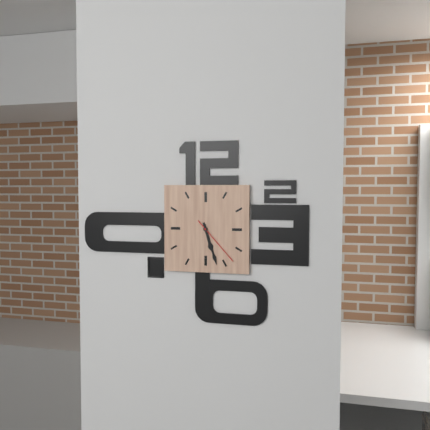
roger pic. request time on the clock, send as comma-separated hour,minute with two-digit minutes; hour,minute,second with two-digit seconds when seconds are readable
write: 5,27,23
